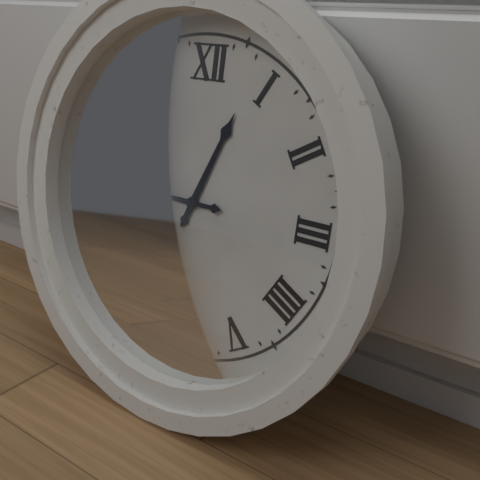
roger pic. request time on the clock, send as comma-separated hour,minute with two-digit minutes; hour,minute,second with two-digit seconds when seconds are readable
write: 12,45
